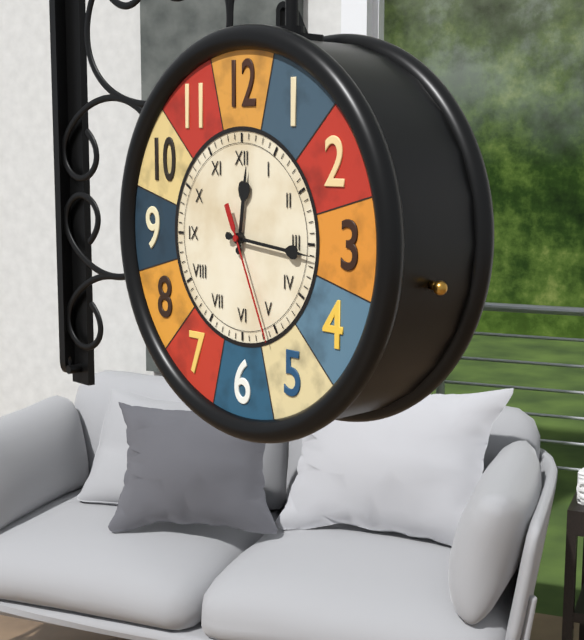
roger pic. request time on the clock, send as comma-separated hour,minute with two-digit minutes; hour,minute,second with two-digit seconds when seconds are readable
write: 12,16,26
